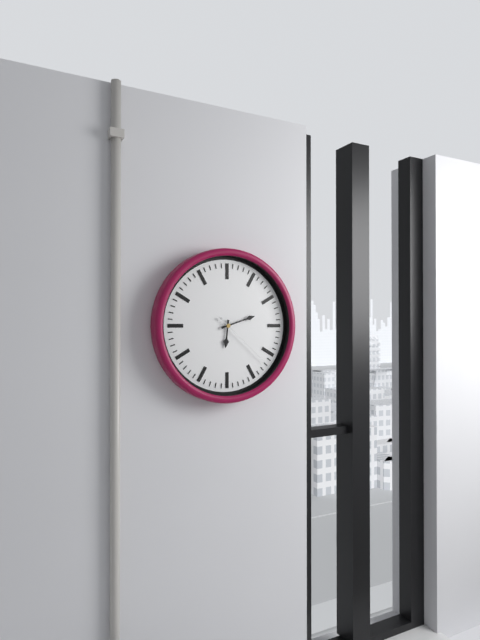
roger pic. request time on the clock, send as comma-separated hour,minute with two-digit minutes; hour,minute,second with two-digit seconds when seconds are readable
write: 6,12,22
